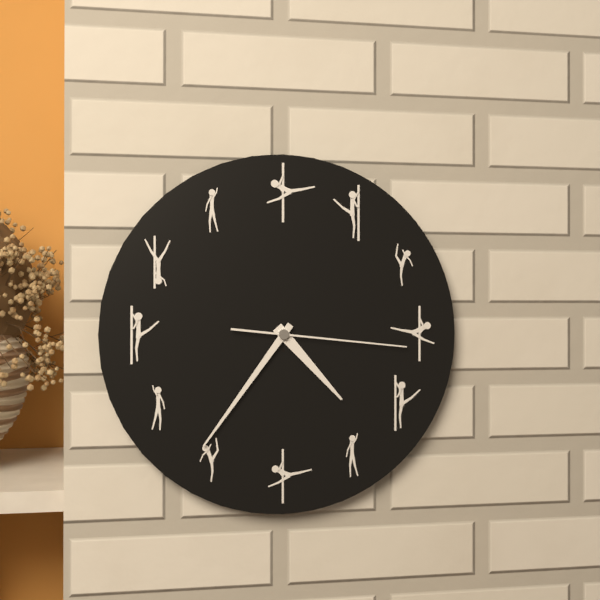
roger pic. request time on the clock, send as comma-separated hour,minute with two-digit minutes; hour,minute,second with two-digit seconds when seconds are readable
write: 4,36,16
